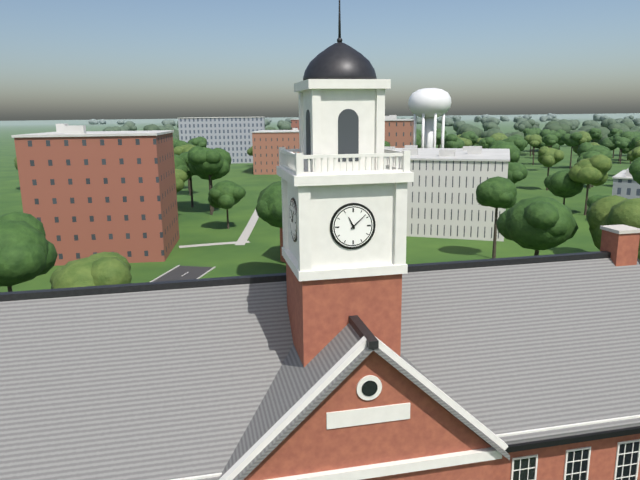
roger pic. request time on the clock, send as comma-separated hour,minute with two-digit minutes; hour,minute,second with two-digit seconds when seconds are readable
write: 11,08
